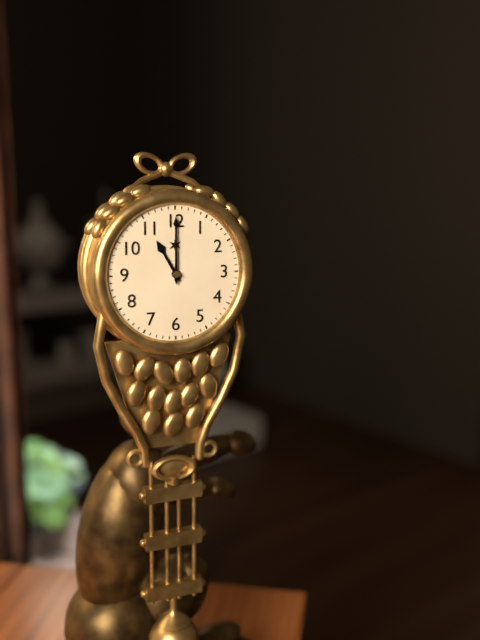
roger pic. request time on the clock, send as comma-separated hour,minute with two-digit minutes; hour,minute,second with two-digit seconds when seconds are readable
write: 11,00
